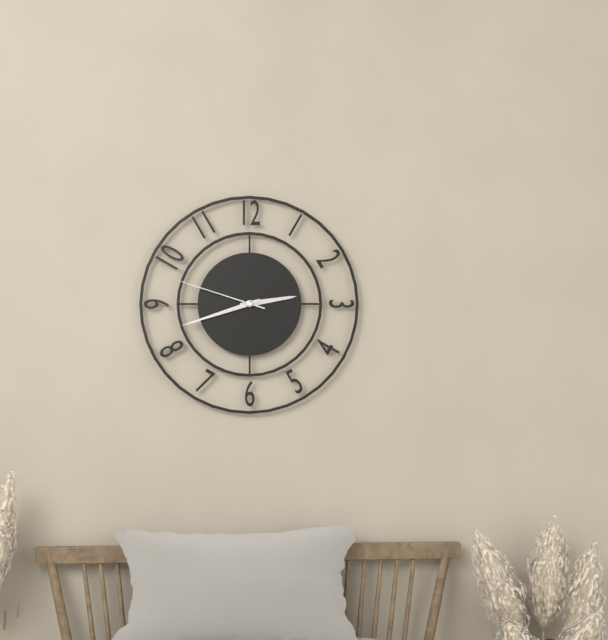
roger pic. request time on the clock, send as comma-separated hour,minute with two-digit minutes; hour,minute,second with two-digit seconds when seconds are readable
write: 2,42,48
